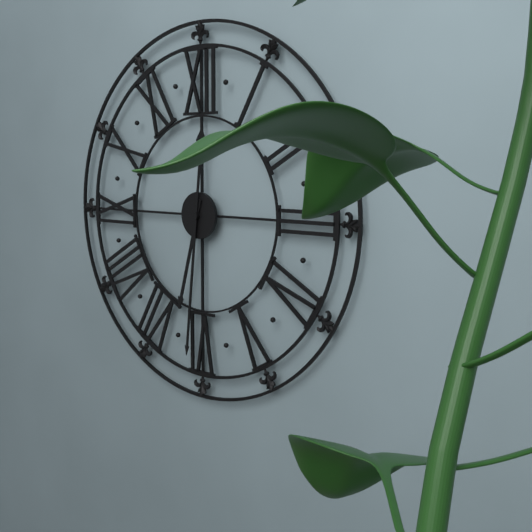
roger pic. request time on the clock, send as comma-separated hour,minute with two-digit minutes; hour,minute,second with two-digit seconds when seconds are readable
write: 6,31
